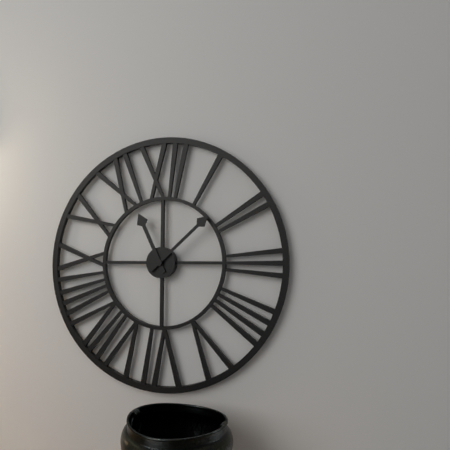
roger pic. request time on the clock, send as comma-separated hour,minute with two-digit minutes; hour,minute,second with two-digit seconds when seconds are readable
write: 11,08
